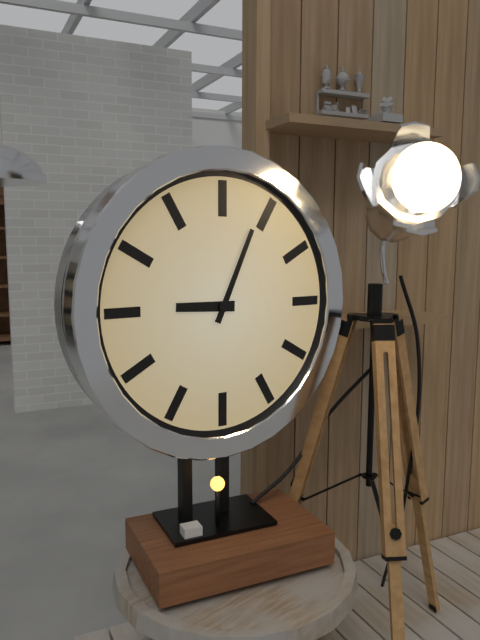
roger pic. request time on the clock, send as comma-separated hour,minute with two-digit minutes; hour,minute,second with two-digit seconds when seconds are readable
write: 9,04
